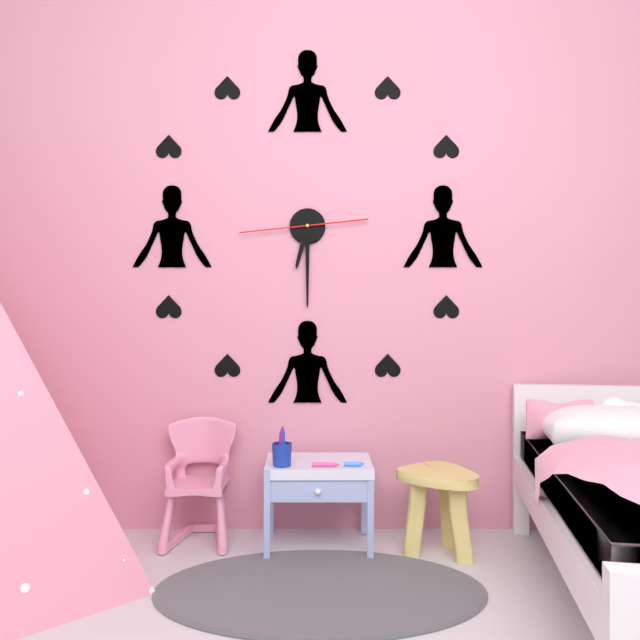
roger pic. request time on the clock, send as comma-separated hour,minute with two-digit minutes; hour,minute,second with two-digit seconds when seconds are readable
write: 6,30,44
